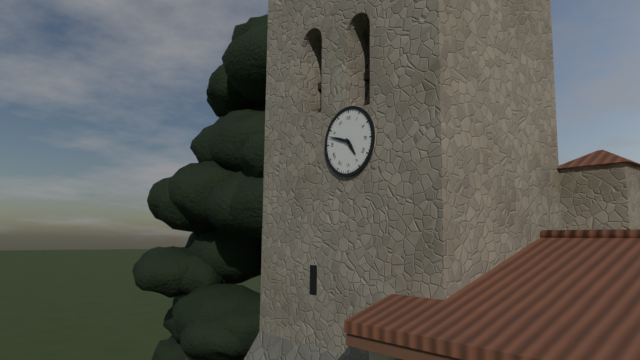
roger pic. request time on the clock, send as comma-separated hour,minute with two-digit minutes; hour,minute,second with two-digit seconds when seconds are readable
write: 4,48
